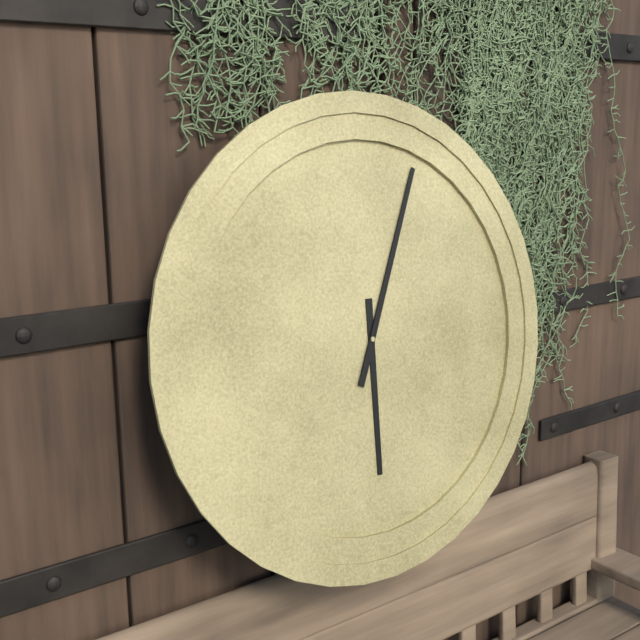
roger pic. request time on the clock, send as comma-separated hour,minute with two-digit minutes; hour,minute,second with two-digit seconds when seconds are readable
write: 6,04
